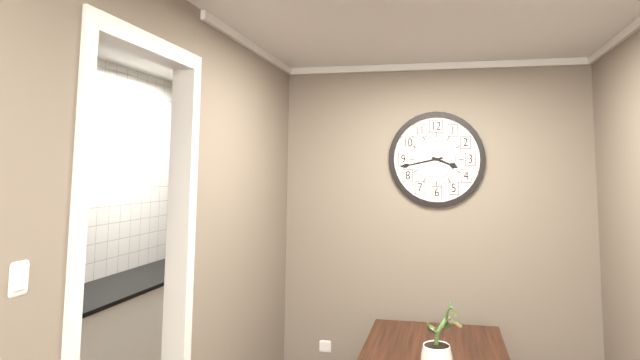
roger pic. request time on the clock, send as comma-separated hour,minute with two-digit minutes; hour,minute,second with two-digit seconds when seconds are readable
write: 3,43
